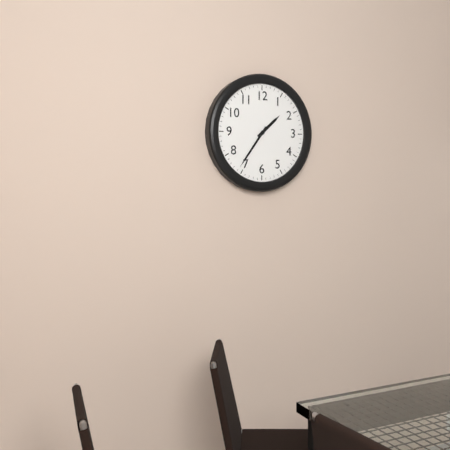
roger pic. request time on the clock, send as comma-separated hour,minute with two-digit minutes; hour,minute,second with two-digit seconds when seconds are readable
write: 1,36
